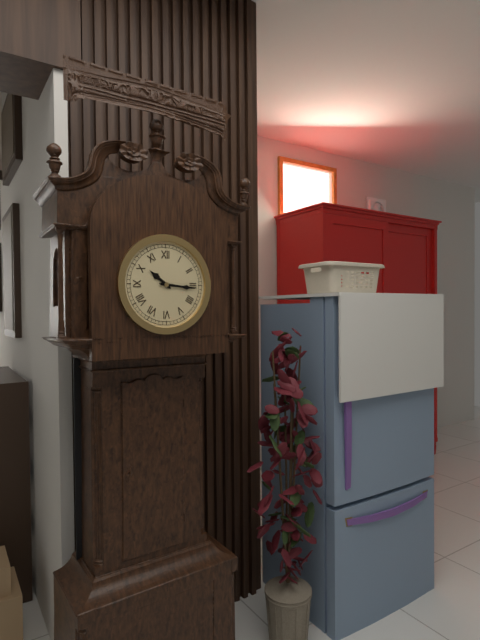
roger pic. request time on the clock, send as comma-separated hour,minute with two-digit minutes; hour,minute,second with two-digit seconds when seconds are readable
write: 10,16
